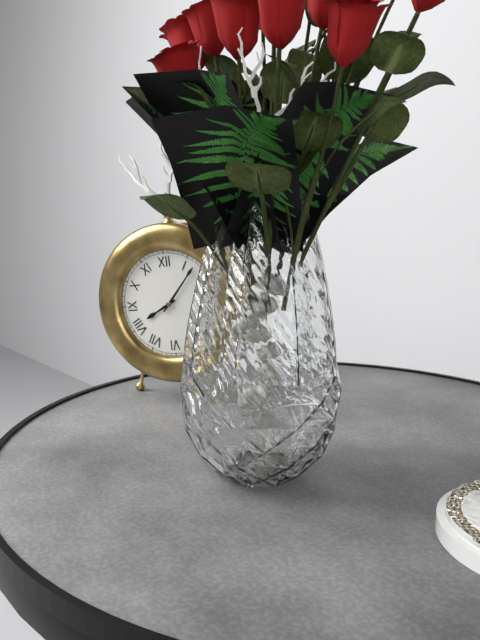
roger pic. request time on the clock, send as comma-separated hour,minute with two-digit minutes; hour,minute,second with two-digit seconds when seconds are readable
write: 8,07
